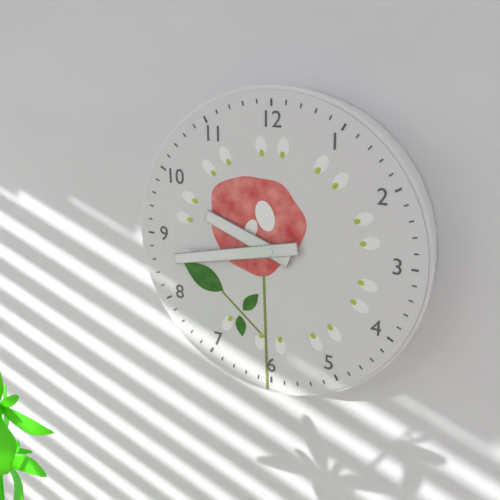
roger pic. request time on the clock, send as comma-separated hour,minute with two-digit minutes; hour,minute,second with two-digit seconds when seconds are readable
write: 9,43
